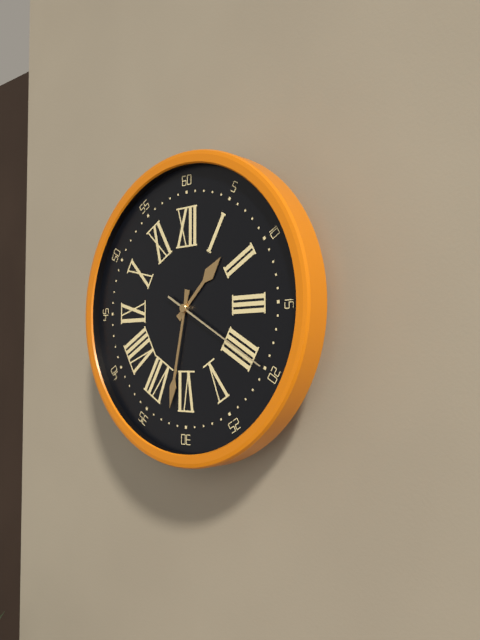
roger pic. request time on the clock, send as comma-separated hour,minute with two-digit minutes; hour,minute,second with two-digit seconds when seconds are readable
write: 1,32,20
